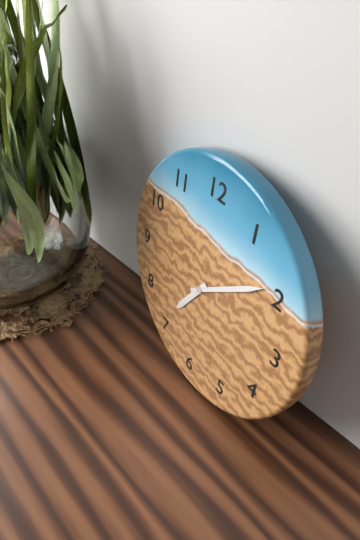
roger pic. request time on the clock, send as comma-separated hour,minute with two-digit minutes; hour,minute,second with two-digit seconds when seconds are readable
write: 7,09
